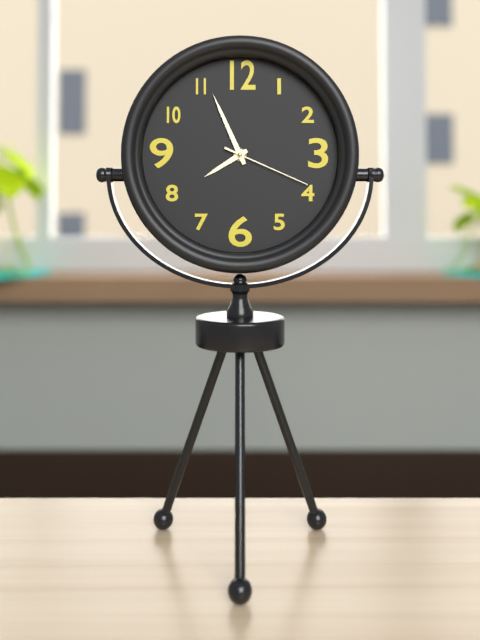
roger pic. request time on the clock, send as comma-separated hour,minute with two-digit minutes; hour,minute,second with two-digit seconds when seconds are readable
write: 7,56,19
